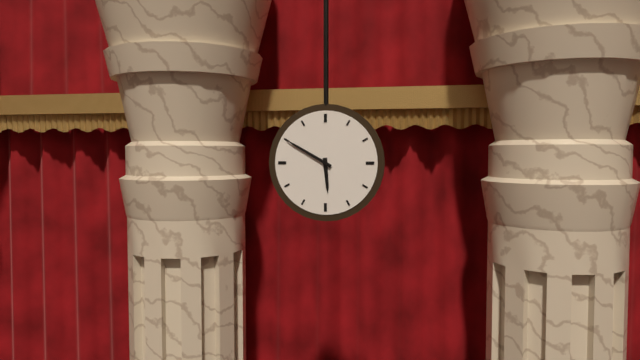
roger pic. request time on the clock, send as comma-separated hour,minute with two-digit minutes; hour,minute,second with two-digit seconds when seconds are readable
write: 5,50
